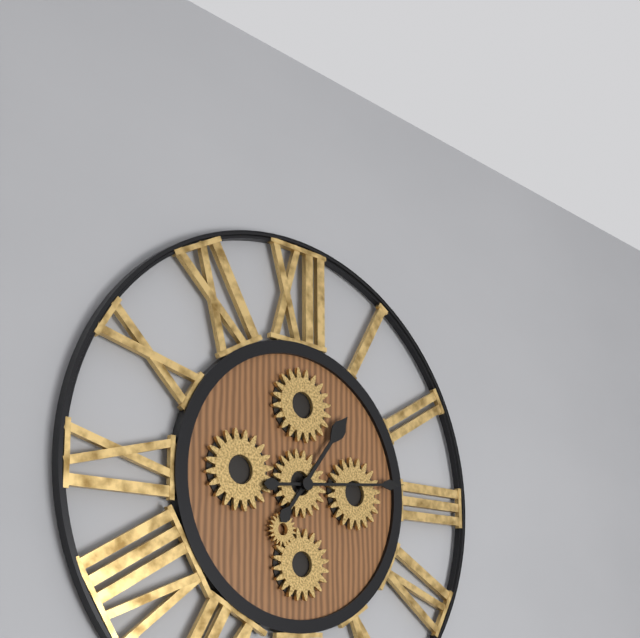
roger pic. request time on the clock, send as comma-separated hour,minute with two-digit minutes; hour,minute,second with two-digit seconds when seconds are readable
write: 1,14
